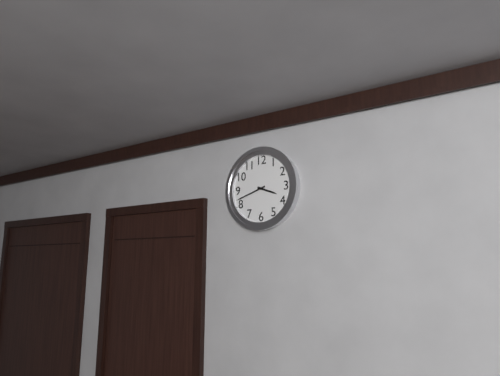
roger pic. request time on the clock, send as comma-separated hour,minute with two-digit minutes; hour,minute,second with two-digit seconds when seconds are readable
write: 3,42
